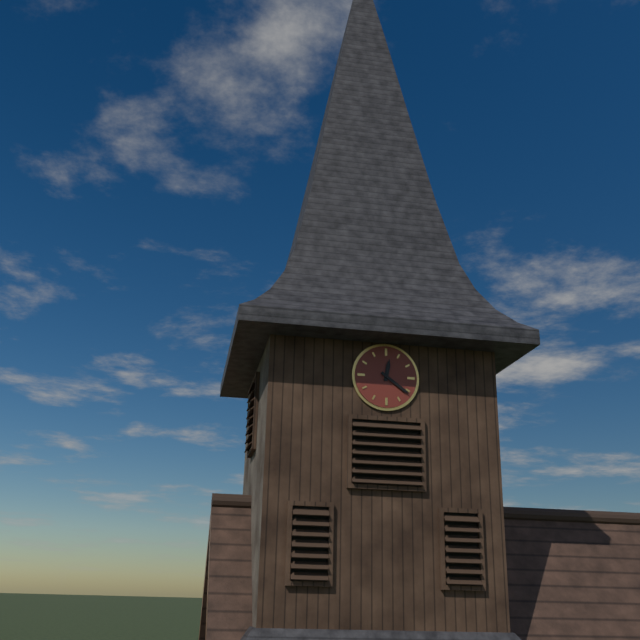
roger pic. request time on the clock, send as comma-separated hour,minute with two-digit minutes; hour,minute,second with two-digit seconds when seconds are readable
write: 12,21
